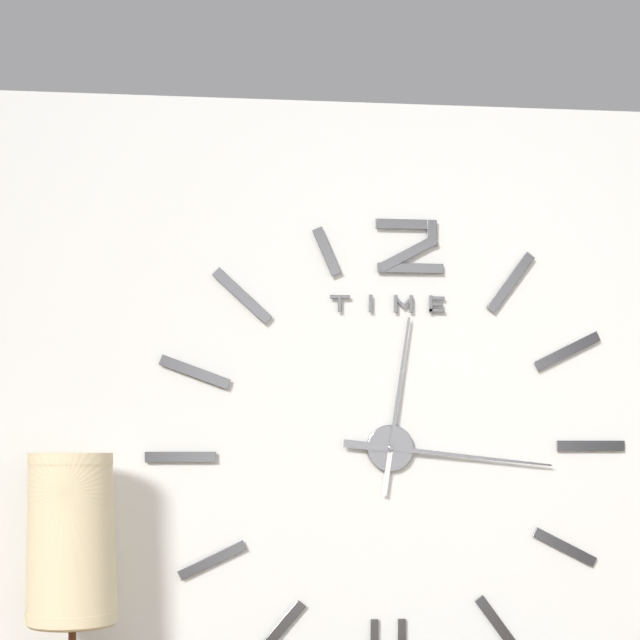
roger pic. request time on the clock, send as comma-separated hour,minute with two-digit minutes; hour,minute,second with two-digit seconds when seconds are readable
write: 12,16
